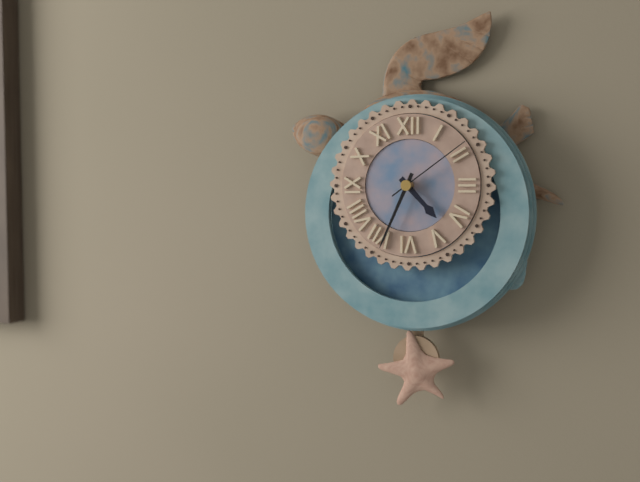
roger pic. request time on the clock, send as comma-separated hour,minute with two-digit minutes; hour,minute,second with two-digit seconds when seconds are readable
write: 4,34,09
